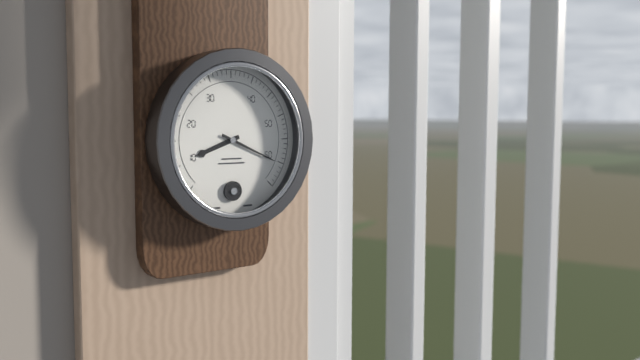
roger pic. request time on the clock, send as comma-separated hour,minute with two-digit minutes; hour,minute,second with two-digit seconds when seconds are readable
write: 8,19
